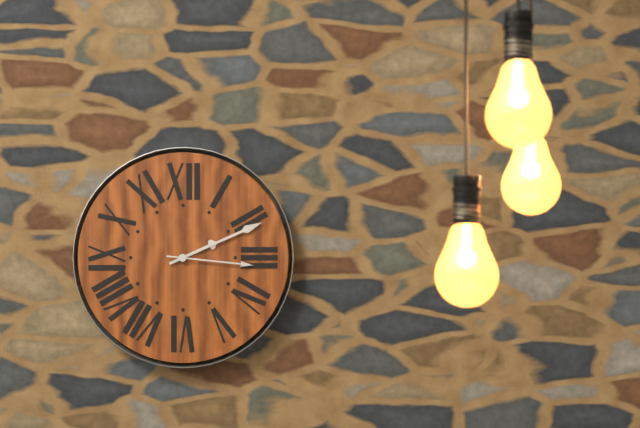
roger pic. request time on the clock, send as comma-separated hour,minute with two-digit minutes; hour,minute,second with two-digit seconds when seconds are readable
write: 2,11,16
